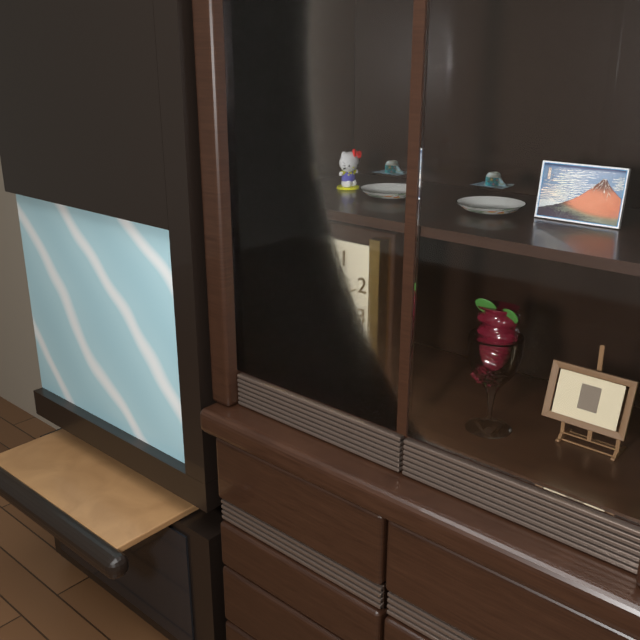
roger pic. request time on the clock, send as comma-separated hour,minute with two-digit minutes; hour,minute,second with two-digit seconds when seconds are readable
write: 6,31,10
